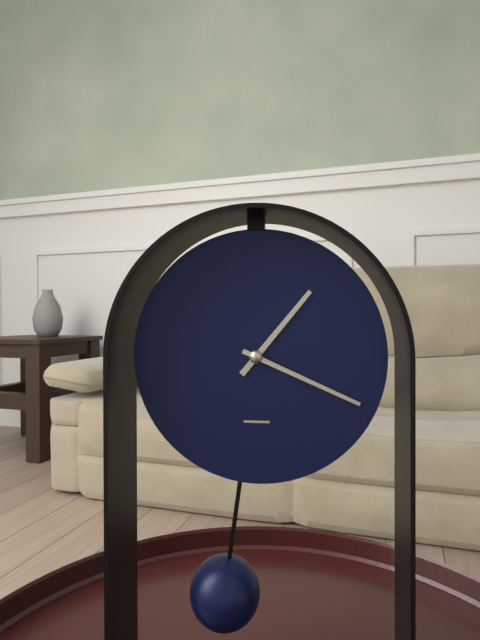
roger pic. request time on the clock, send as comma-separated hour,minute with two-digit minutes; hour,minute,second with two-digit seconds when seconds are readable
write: 1,19
